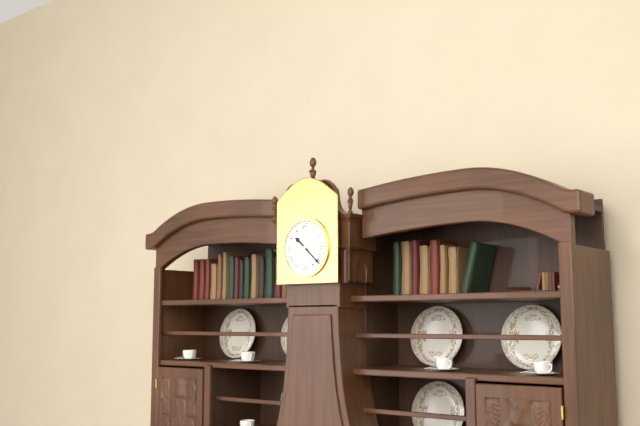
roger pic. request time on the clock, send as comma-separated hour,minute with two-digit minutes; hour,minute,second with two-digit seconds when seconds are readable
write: 10,22
